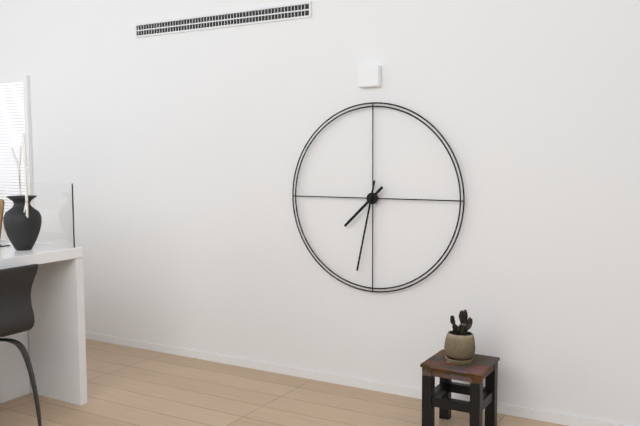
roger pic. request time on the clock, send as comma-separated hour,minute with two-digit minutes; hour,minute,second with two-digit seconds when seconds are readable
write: 7,32
